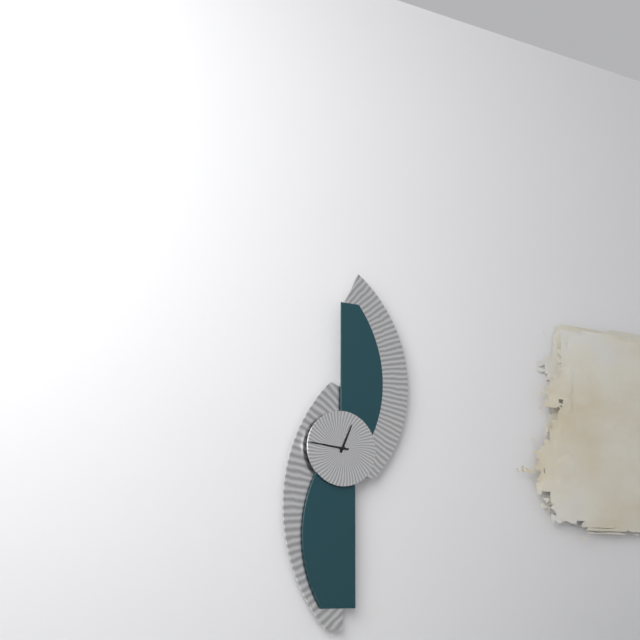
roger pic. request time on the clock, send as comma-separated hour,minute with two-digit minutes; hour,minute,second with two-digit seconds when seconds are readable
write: 12,46
